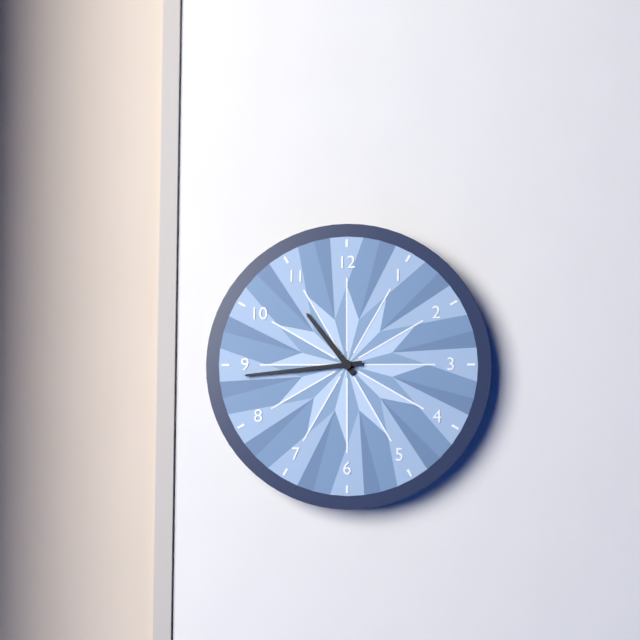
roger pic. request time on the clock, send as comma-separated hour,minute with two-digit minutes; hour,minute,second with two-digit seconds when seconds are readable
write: 10,44
